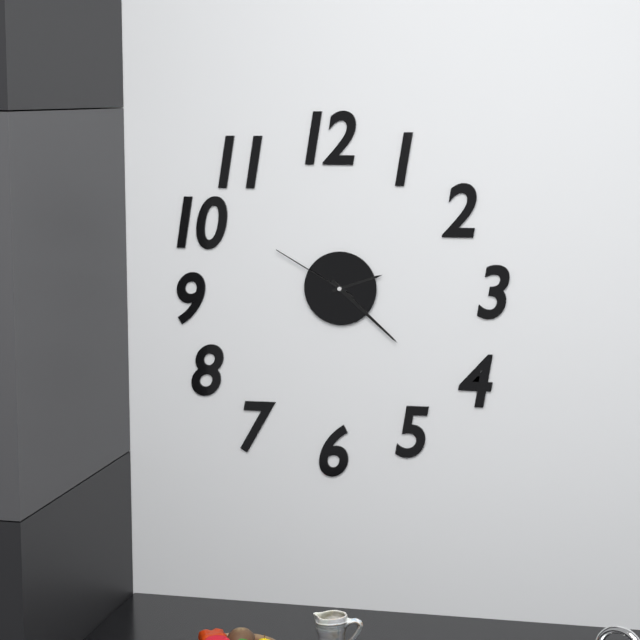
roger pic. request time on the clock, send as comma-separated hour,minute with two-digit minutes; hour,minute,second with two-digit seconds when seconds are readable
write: 2,22,50
